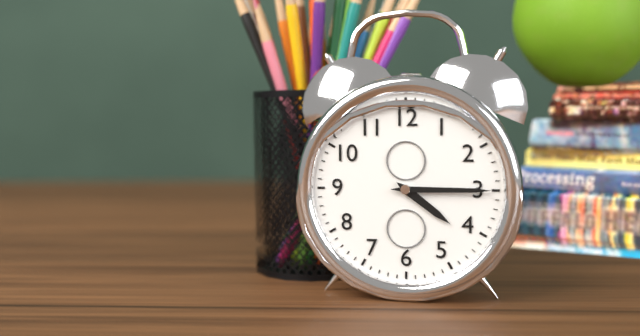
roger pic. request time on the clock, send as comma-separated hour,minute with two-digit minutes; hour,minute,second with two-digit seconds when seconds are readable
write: 4,15
